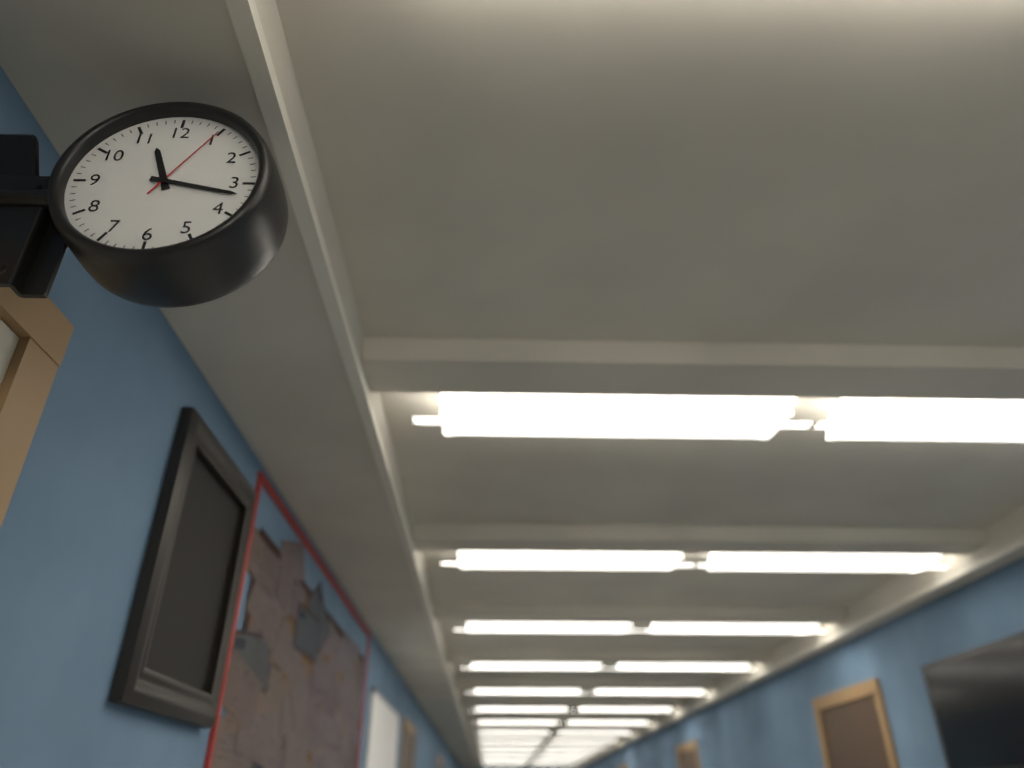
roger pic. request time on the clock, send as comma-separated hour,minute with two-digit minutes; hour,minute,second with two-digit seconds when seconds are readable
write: 11,17,05
